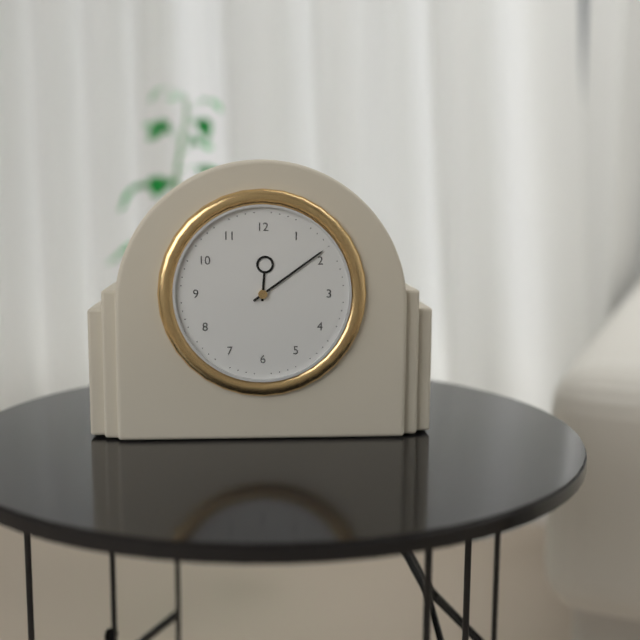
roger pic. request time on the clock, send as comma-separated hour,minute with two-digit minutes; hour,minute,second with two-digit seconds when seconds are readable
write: 12,09
